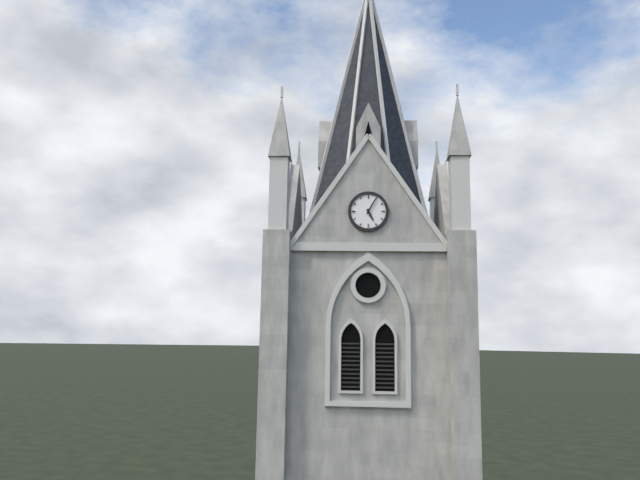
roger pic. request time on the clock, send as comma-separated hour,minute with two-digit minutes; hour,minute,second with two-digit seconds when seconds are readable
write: 5,05
